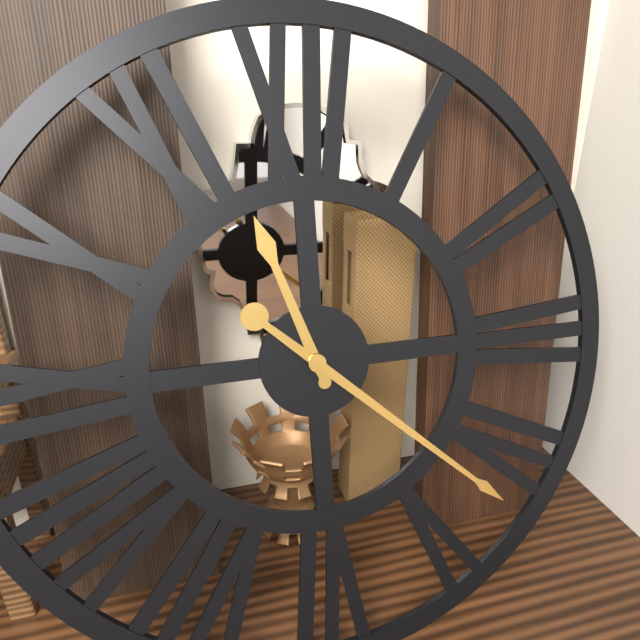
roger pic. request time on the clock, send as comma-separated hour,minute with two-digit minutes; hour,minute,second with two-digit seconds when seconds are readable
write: 11,22
